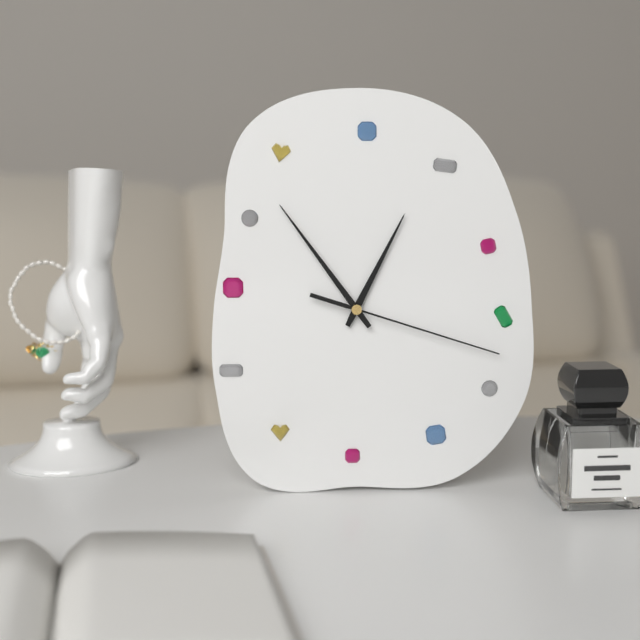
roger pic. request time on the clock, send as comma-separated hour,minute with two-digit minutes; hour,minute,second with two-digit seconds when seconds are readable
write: 12,54,18
